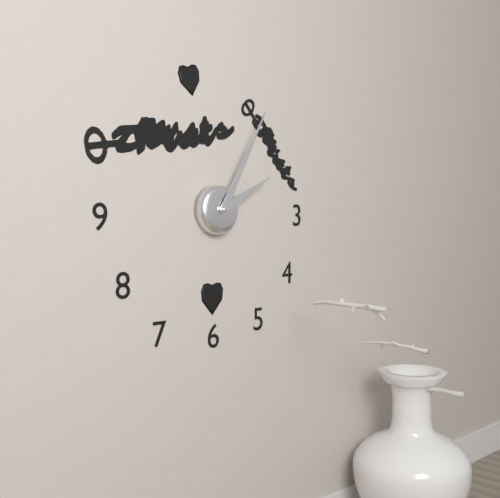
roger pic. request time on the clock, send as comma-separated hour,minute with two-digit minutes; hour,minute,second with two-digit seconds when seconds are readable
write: 2,05
